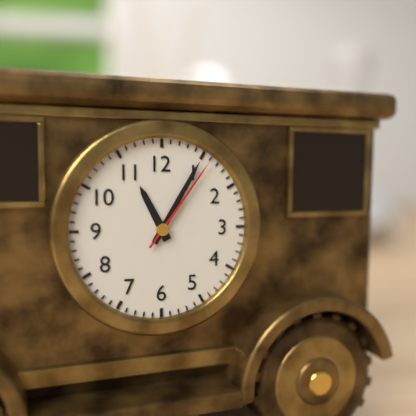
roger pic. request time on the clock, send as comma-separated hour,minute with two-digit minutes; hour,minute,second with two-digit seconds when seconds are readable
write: 11,05,06
